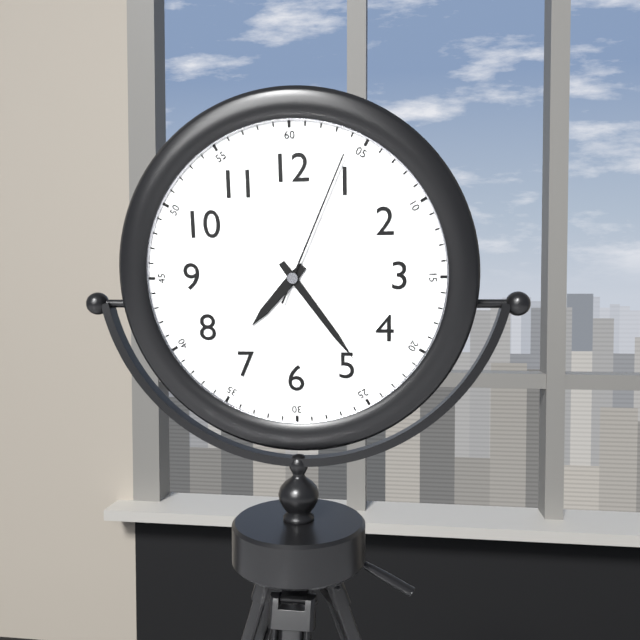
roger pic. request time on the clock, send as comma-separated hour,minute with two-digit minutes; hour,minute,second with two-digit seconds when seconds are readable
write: 7,24,04
